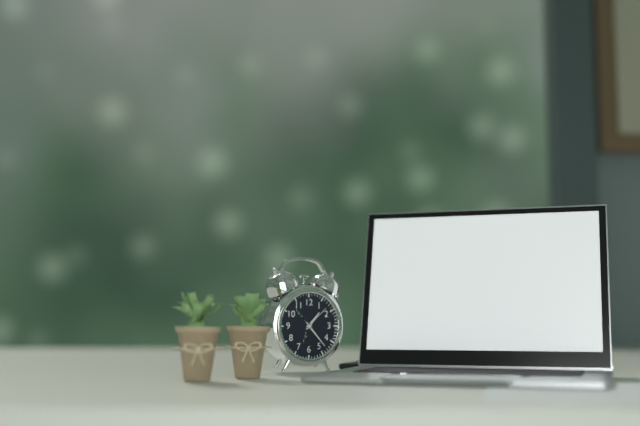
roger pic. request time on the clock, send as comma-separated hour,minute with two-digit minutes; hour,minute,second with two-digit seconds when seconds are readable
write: 1,23
